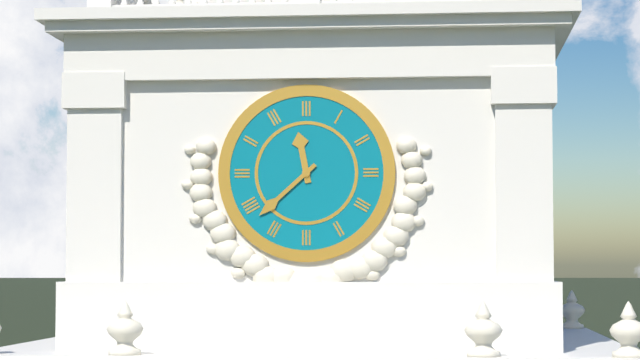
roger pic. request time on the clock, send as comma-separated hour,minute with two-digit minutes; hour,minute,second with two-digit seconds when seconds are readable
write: 11,38
